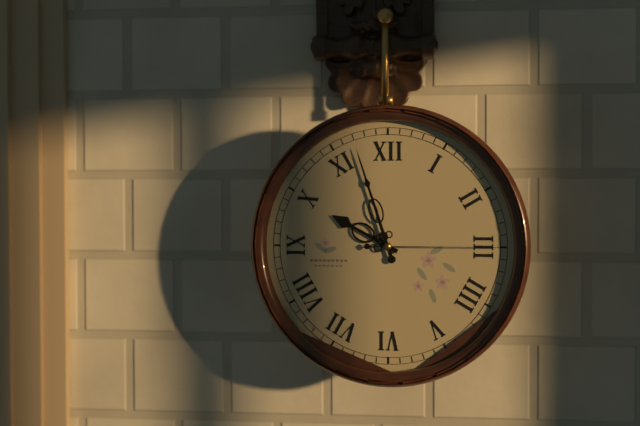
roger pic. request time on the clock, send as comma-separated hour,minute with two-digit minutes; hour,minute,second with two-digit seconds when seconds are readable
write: 9,57,15
